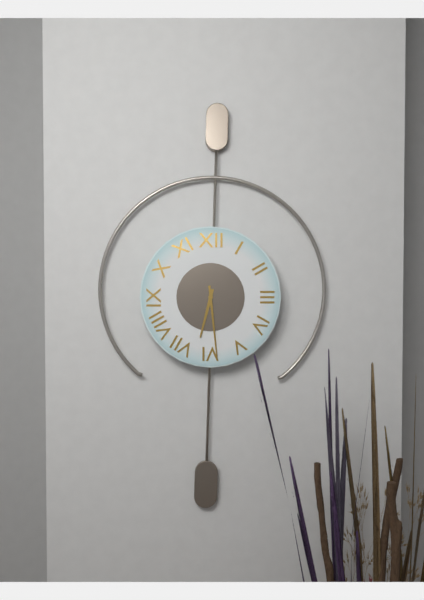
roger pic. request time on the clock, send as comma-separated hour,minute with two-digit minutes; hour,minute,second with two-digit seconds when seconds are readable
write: 6,29
